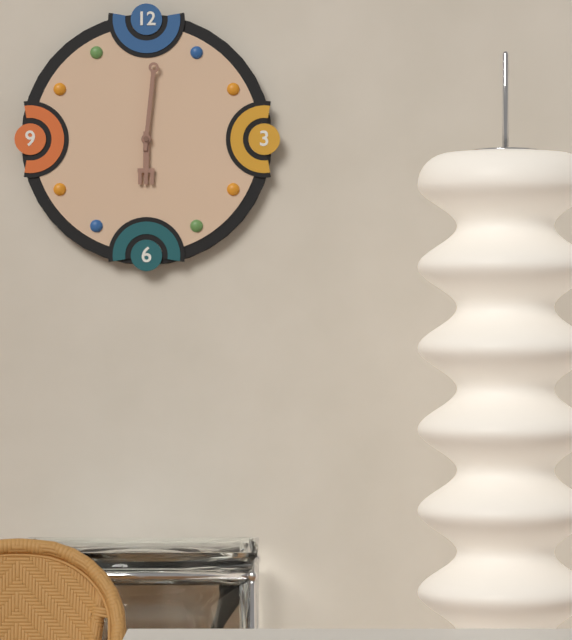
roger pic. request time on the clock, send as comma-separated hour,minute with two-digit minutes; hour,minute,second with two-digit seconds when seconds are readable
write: 6,01
